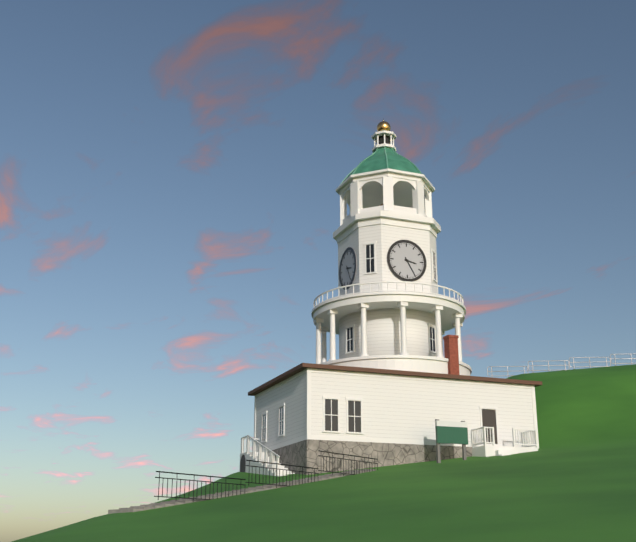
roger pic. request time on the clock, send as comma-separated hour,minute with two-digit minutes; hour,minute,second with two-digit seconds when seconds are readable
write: 3,25
